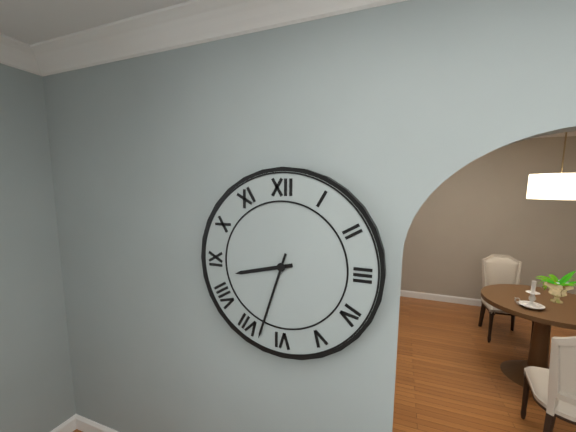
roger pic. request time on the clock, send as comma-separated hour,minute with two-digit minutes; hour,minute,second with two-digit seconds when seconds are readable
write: 8,33
